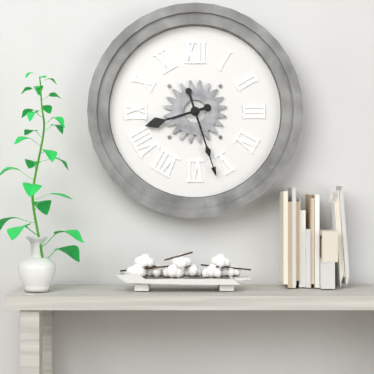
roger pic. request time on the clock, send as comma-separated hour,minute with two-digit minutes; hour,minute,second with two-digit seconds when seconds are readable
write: 8,27
